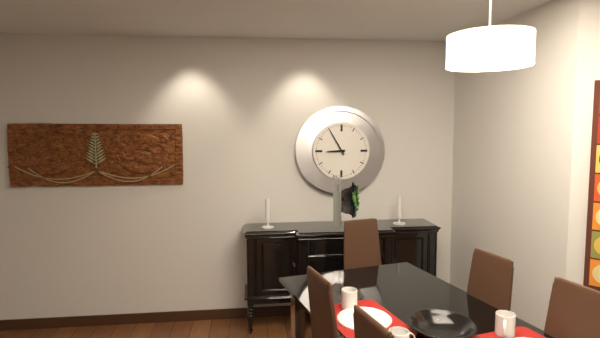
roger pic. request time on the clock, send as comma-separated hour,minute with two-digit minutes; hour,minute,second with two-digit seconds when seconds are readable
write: 8,55
